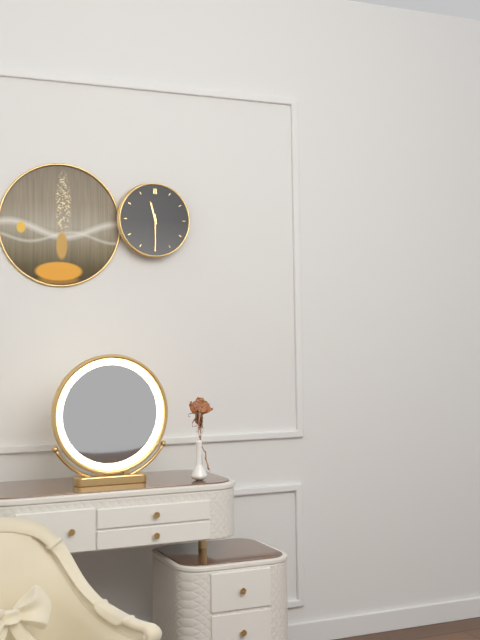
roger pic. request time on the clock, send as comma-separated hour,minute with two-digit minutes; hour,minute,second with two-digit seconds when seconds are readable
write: 11,30
